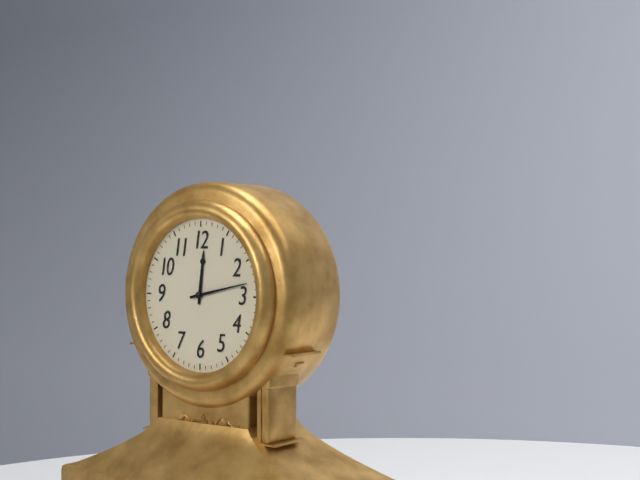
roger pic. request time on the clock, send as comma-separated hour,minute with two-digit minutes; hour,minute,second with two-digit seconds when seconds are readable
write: 12,13
